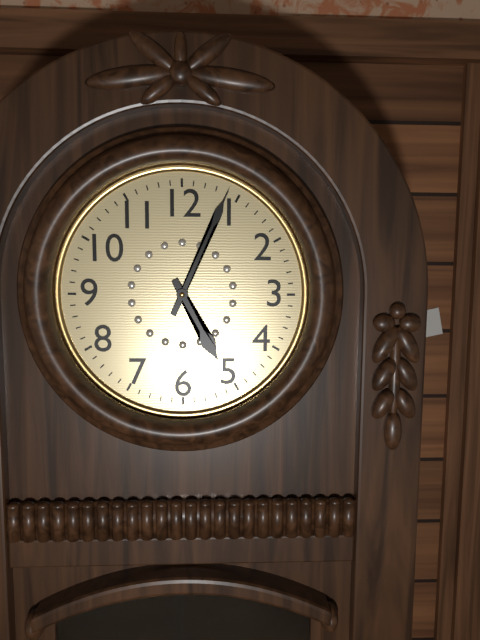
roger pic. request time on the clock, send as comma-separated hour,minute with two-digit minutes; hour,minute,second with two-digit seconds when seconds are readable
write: 5,04
